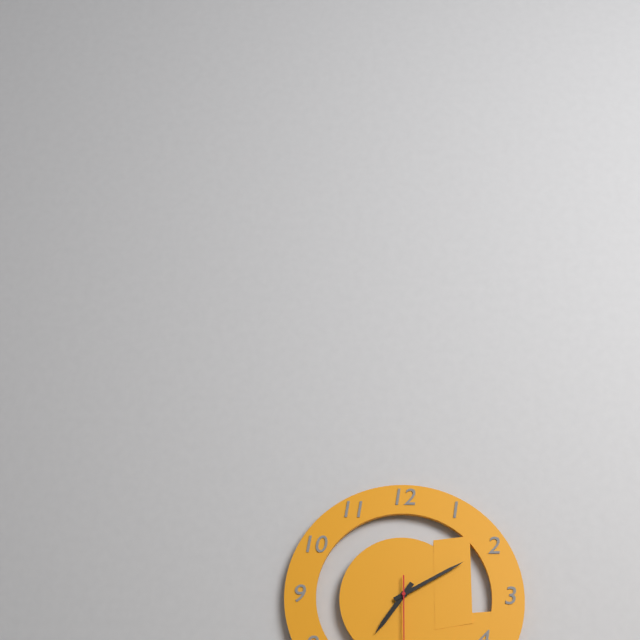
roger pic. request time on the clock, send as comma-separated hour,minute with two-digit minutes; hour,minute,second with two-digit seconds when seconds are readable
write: 7,10
